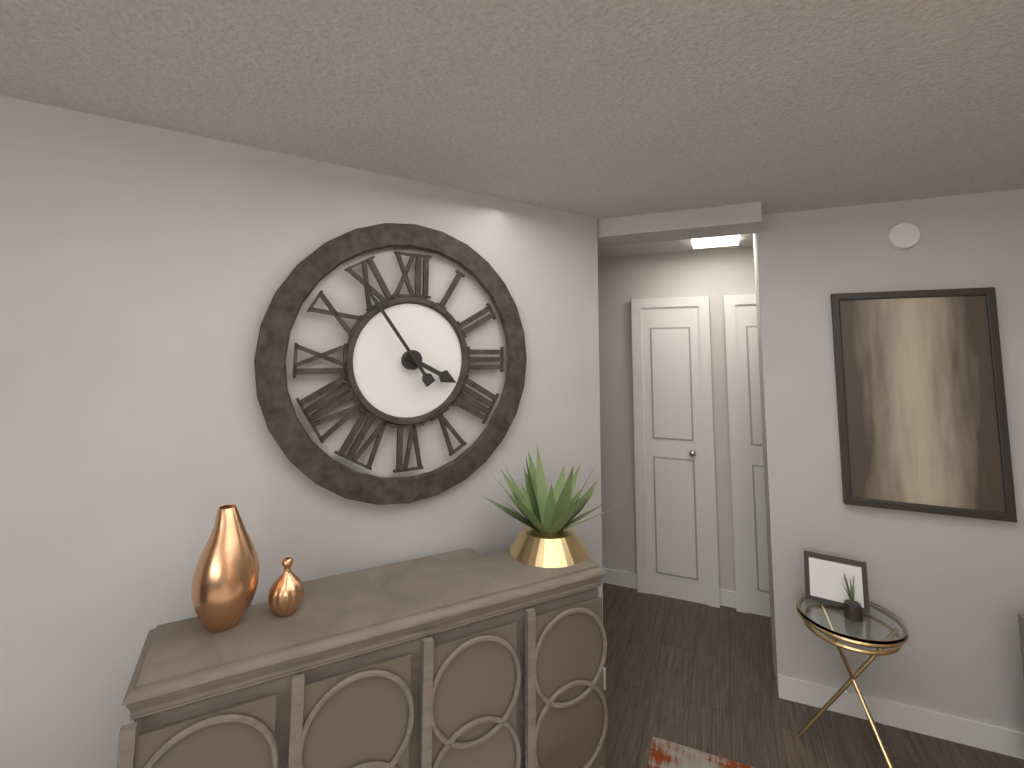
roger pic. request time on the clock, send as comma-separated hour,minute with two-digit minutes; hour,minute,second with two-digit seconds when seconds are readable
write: 3,54
